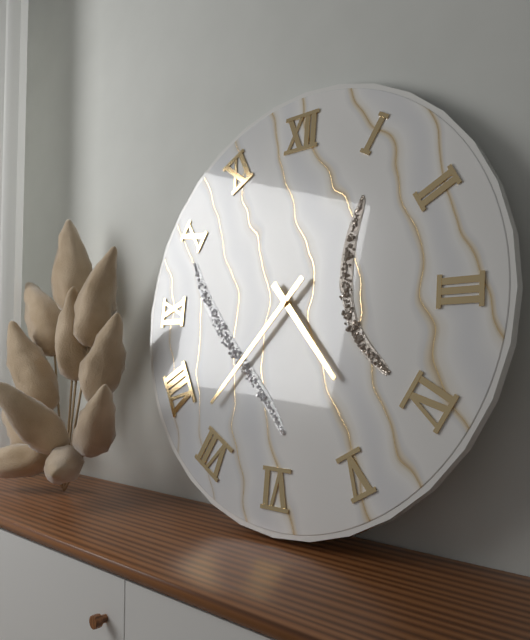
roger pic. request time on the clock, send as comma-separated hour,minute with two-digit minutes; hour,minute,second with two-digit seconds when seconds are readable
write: 4,37
